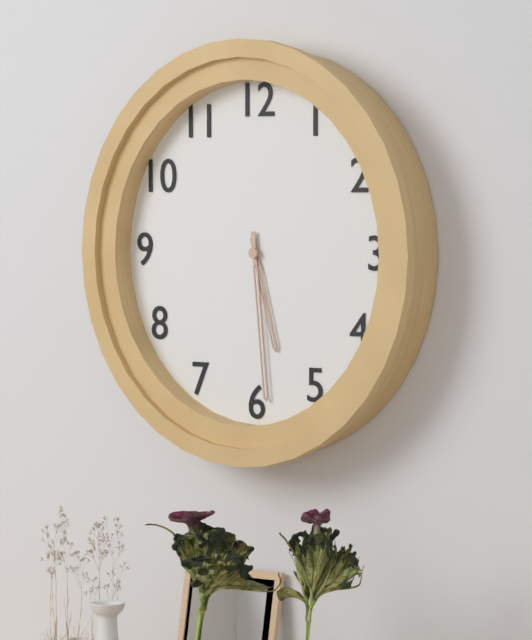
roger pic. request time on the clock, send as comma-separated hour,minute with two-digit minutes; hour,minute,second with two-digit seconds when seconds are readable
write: 5,29
